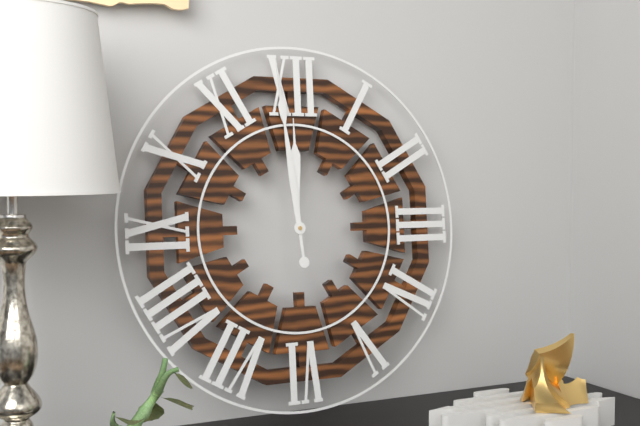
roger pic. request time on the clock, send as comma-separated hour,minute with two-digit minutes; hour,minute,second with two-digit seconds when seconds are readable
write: 11,59
